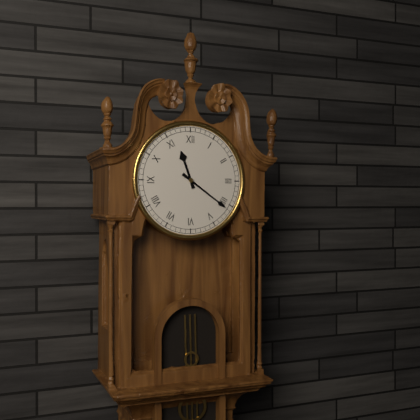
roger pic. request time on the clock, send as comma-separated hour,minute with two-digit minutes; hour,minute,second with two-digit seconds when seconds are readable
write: 11,21
